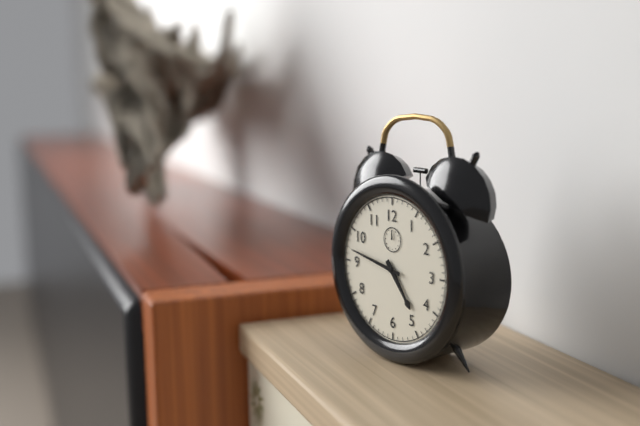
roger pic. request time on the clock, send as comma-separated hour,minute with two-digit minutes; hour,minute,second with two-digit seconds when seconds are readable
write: 4,47
